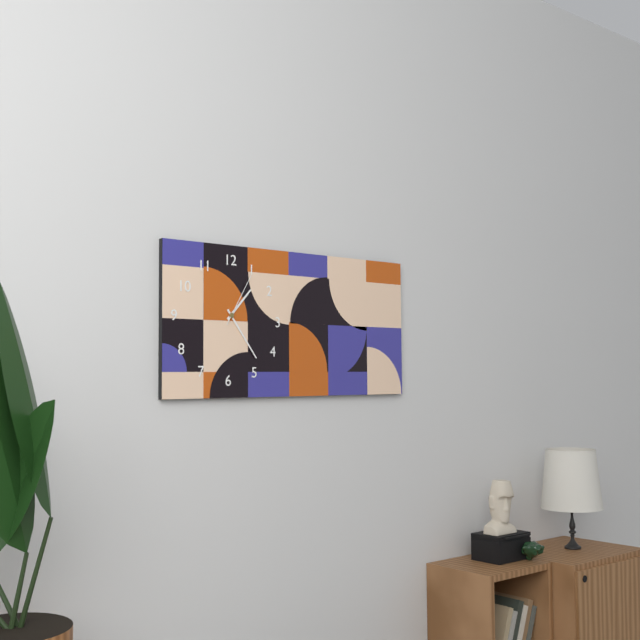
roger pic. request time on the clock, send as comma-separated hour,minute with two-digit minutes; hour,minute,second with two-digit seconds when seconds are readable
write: 1,24,05
